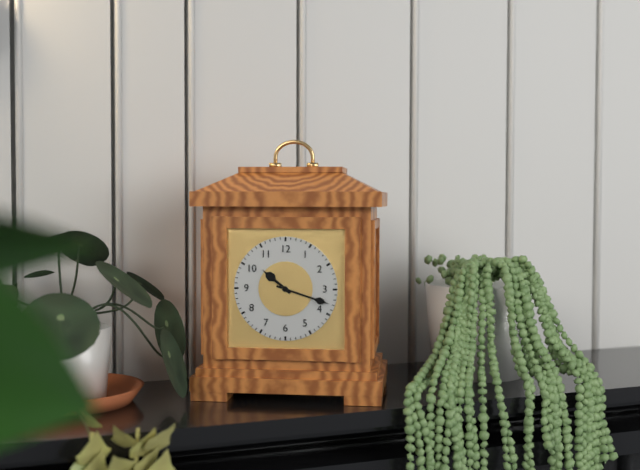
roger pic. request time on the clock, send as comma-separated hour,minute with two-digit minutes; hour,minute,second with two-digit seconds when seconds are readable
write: 10,18
